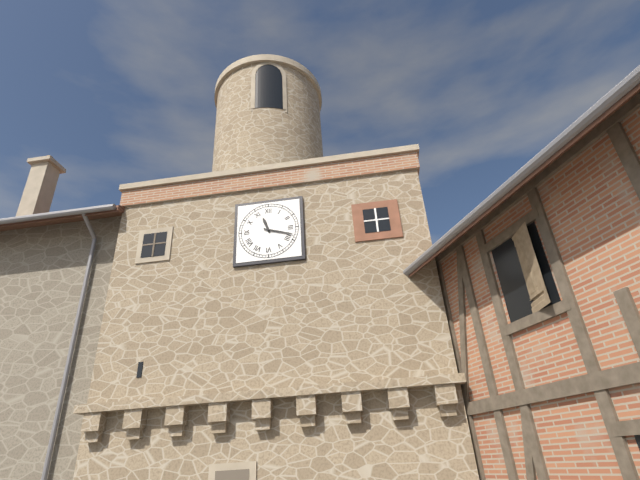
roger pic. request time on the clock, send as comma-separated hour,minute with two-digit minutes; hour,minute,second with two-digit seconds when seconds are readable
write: 11,18
